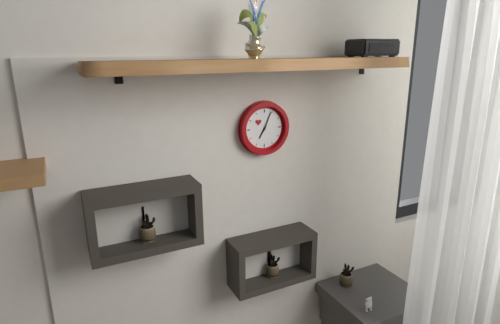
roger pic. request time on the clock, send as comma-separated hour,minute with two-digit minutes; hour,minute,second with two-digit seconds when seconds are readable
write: 7,04
